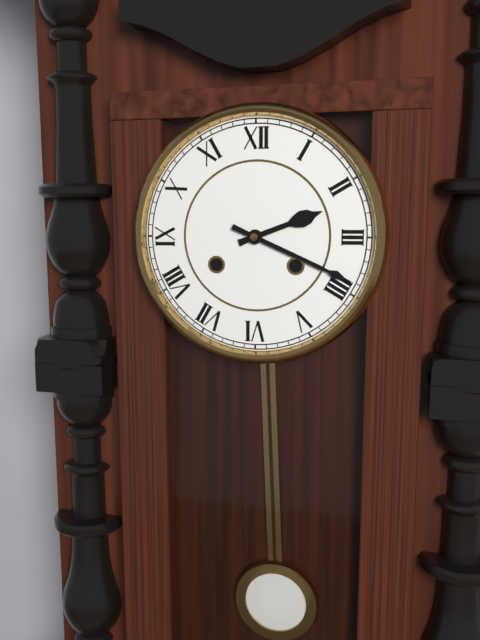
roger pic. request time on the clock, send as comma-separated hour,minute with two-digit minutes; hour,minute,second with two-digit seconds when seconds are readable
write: 2,19
